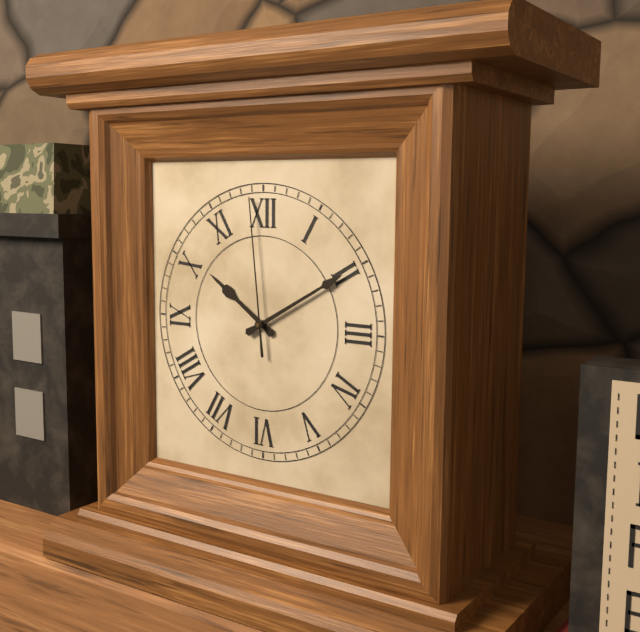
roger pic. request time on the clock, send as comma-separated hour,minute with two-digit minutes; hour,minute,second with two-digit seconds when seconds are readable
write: 10,10,59
